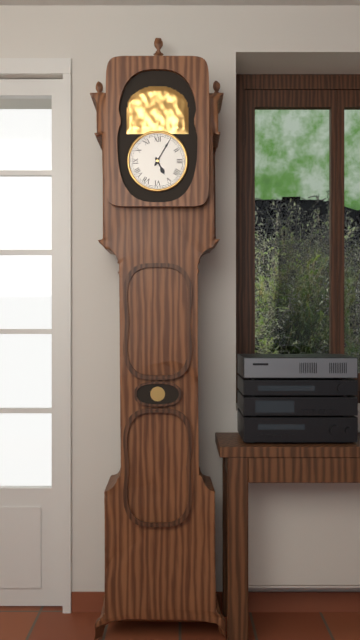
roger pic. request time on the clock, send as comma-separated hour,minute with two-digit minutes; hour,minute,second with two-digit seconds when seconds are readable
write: 5,05
